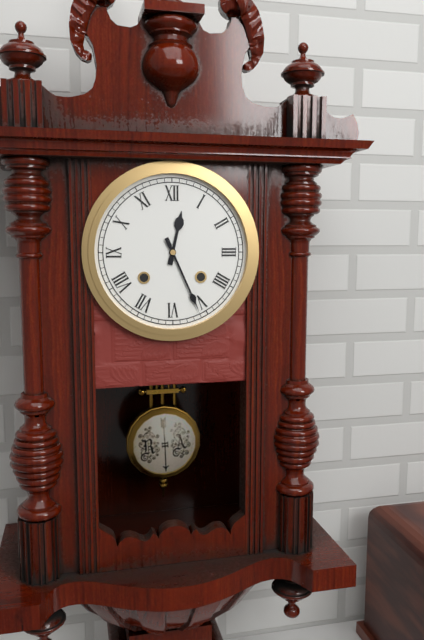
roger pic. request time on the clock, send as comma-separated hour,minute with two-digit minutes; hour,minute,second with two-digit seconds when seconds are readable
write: 12,26
